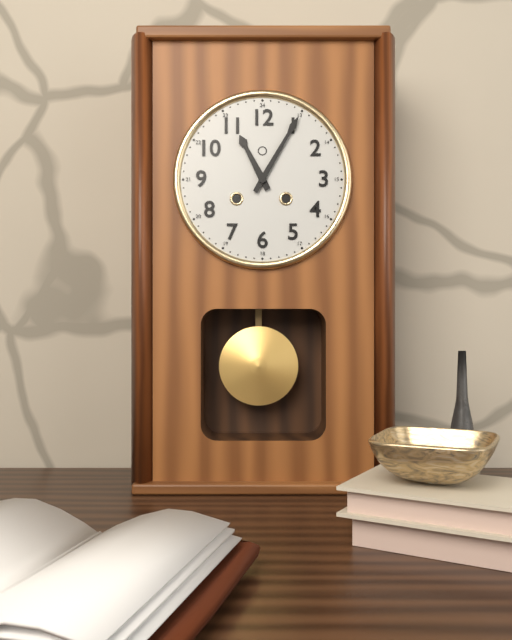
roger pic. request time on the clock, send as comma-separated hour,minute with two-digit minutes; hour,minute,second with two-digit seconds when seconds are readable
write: 11,05
